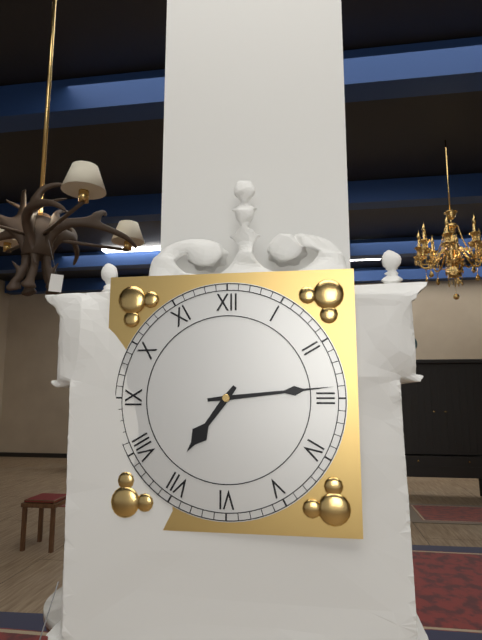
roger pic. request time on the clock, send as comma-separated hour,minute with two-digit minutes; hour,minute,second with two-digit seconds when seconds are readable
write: 7,14
